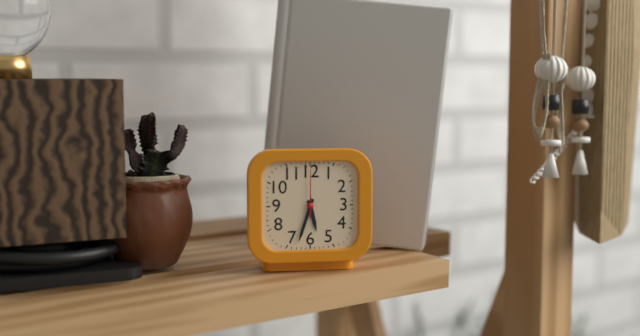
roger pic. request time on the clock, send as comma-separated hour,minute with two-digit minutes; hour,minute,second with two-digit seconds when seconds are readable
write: 5,33
